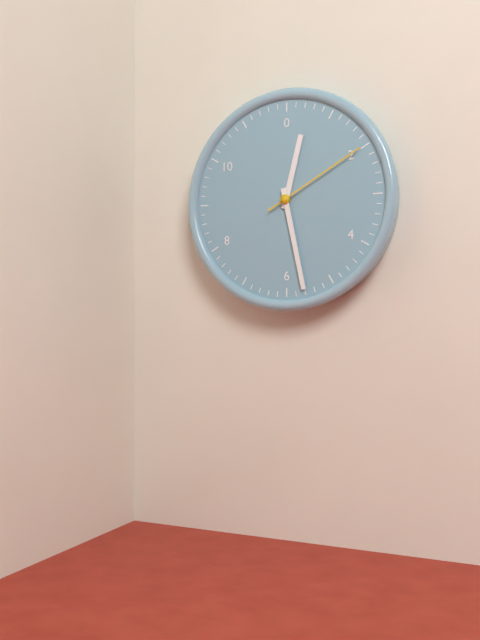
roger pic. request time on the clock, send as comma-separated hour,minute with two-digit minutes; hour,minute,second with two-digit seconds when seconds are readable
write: 12,28,10
